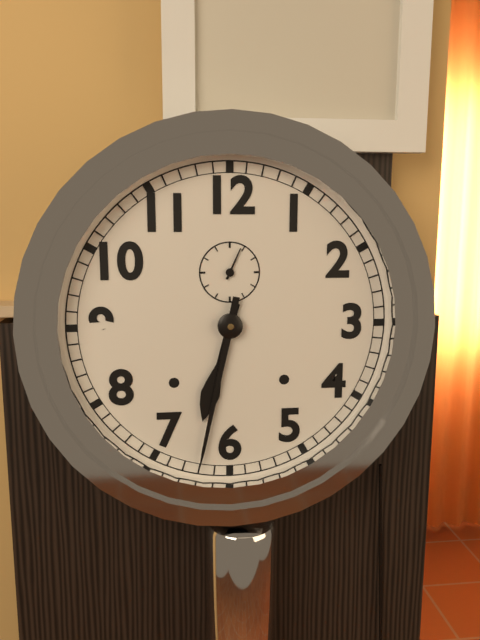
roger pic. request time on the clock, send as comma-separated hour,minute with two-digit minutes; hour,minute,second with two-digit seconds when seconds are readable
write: 6,32
